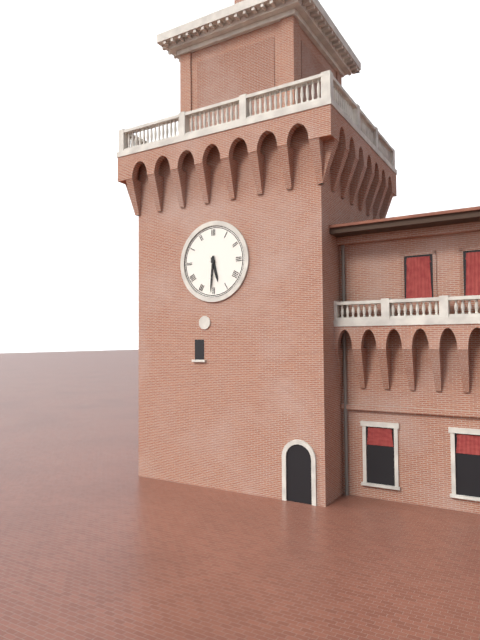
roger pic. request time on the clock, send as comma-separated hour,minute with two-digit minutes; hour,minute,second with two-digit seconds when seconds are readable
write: 5,31
